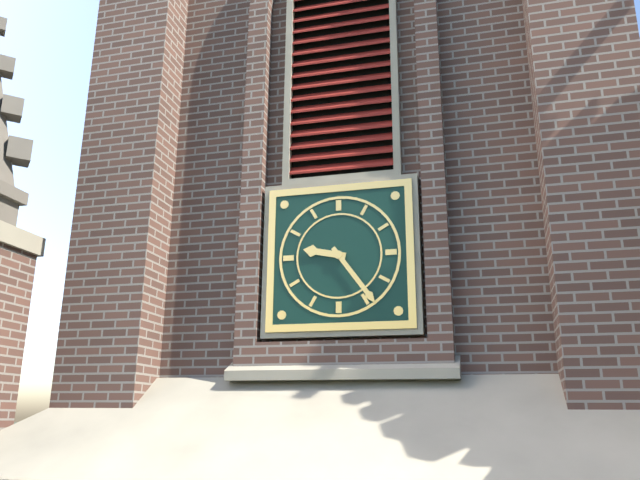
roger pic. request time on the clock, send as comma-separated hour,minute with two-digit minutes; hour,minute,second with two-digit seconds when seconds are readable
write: 9,24
